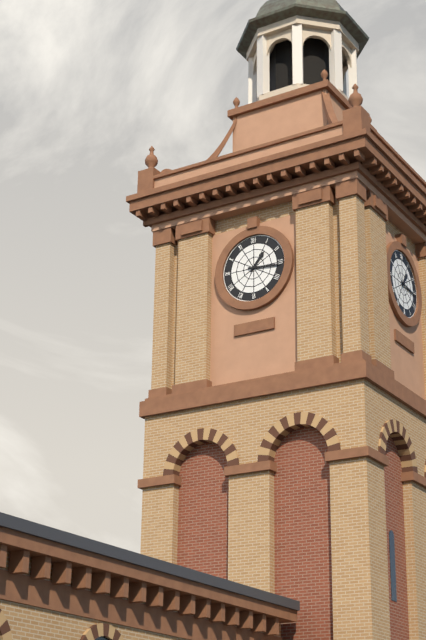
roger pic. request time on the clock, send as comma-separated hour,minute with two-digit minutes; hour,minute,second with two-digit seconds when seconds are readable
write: 1,16
